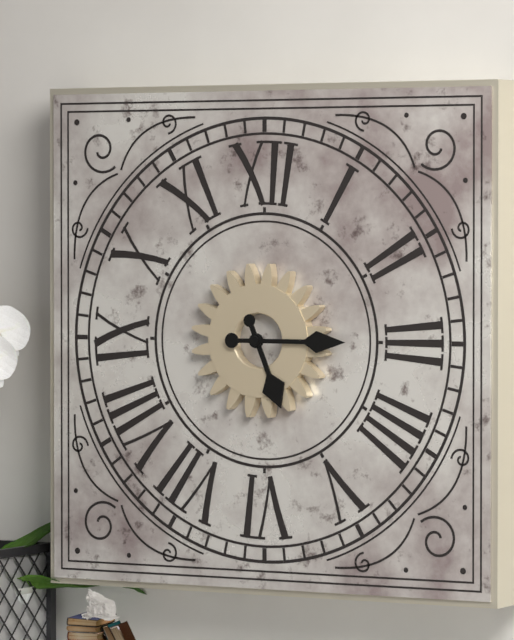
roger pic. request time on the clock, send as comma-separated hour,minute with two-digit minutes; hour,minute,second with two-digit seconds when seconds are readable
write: 5,15
